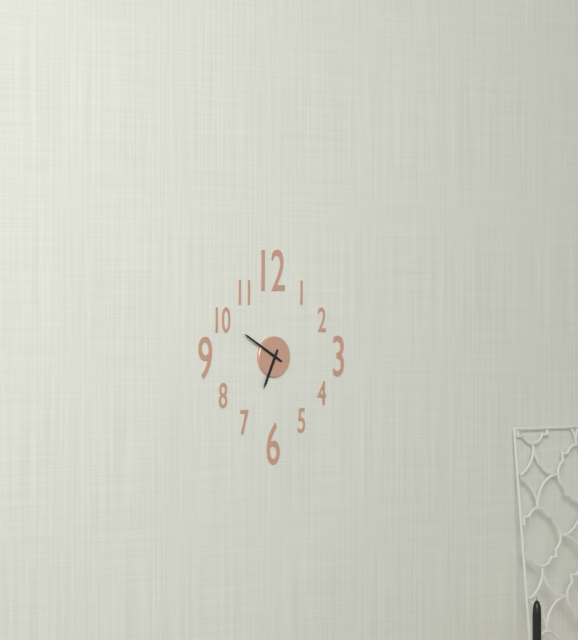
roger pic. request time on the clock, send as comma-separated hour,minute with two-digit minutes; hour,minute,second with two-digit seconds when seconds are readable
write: 6,50
